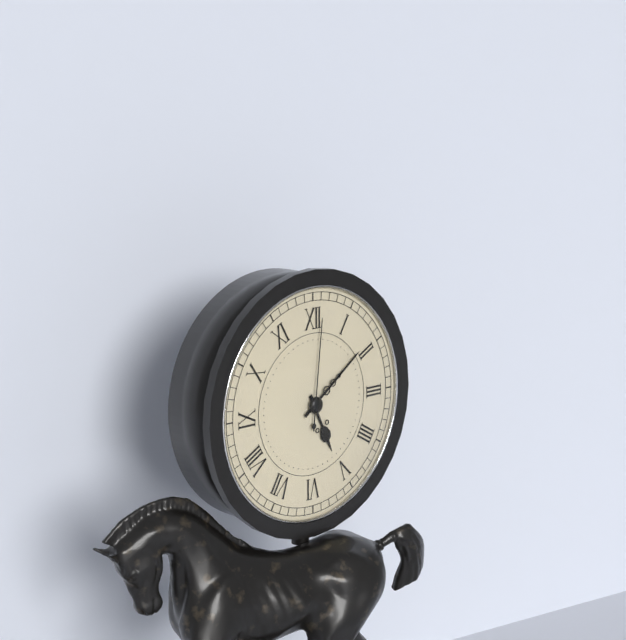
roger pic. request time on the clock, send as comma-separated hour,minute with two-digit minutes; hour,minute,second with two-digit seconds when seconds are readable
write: 5,09,01
